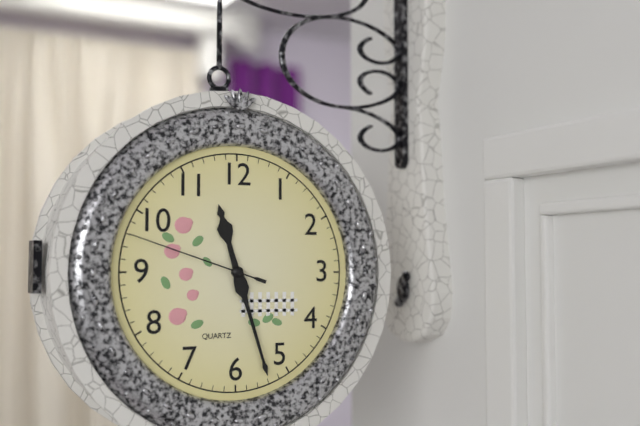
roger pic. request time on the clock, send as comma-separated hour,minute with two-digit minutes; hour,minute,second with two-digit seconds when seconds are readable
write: 11,27,48
